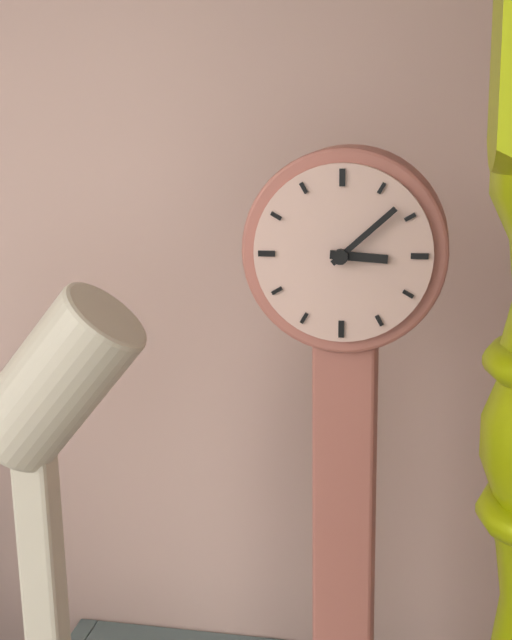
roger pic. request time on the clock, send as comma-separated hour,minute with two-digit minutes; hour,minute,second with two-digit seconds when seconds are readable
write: 3,08
